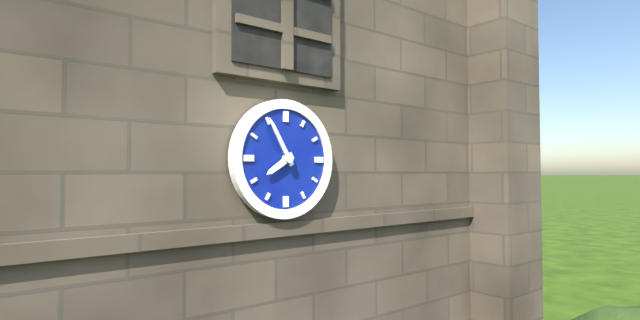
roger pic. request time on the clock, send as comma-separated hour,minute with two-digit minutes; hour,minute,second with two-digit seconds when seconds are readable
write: 7,55
